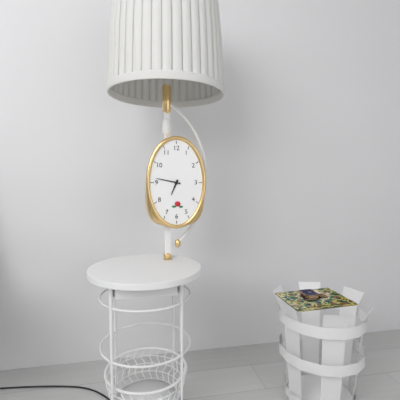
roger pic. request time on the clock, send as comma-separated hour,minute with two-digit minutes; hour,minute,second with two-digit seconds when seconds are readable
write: 6,47
